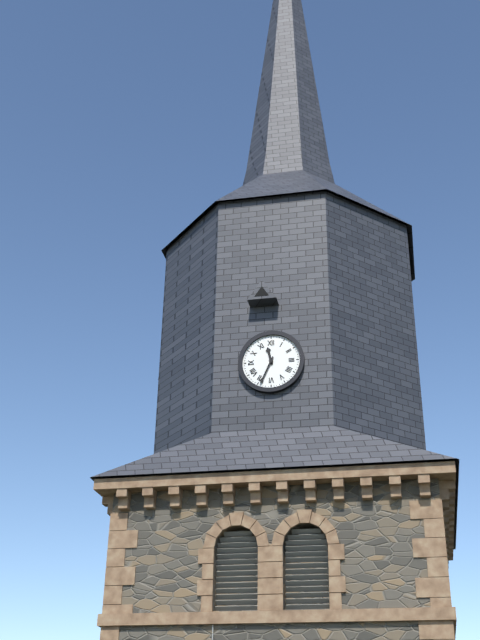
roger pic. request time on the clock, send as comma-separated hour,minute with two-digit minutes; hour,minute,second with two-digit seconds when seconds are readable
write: 11,34
